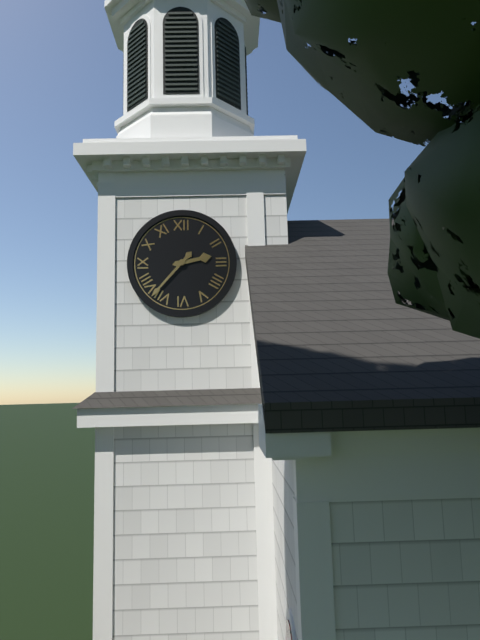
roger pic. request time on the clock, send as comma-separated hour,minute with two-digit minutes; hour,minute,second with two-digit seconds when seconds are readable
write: 2,37
